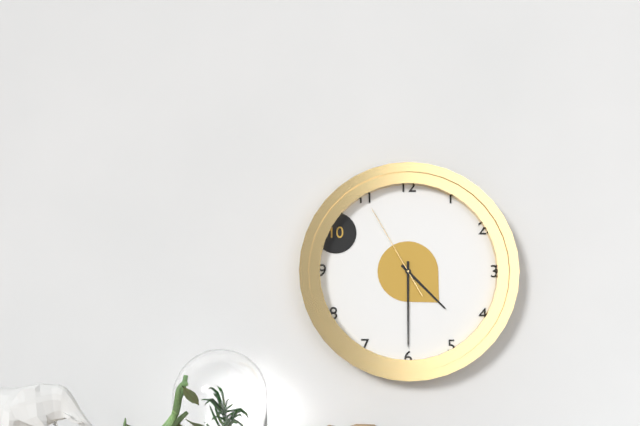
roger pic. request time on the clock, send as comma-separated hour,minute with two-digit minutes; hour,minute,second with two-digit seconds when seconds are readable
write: 4,30,55
